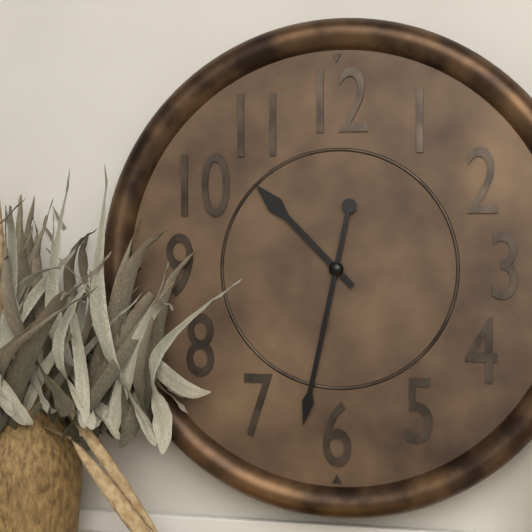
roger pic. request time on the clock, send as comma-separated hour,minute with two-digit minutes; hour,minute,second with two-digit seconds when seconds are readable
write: 10,32
